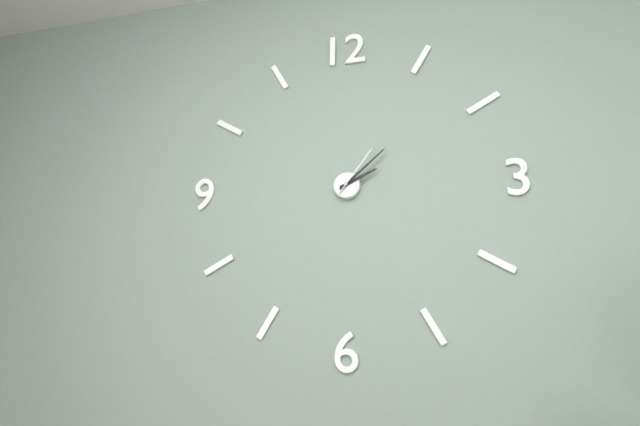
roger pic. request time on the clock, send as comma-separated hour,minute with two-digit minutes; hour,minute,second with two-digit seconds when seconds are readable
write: 2,08,06
